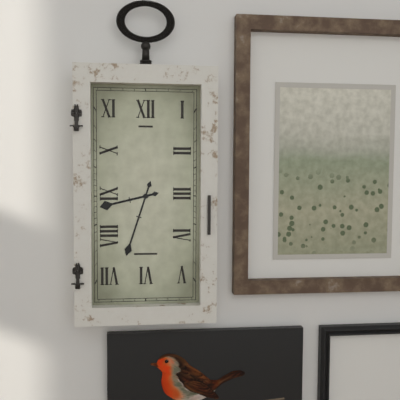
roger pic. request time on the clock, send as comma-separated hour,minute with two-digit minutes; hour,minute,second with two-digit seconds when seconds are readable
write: 8,33
